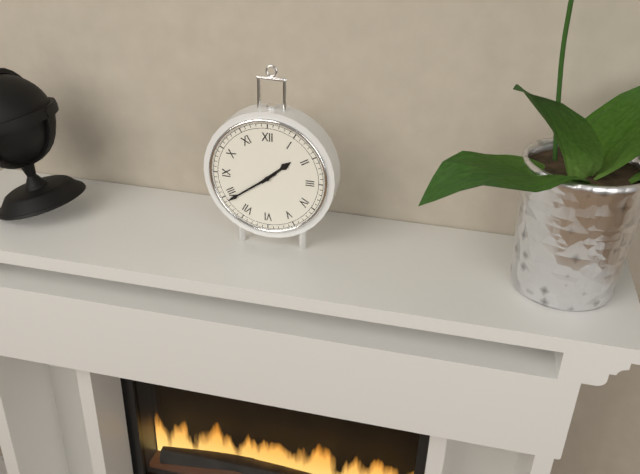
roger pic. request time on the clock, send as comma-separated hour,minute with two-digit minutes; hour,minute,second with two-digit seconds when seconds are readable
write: 1,39
